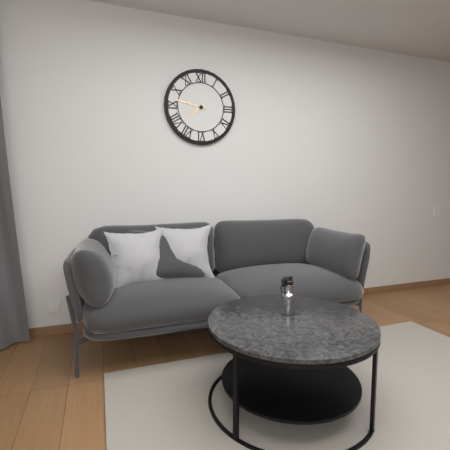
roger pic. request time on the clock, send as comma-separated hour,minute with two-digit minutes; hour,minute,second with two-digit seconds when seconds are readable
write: 7,47
